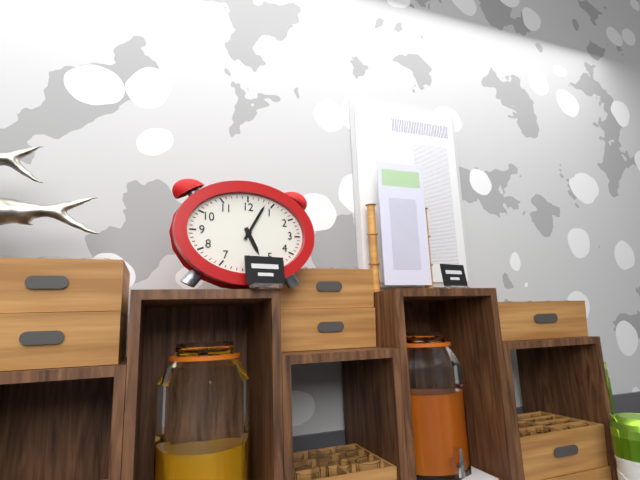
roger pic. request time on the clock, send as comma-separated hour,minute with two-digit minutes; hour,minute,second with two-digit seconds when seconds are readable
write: 5,05
